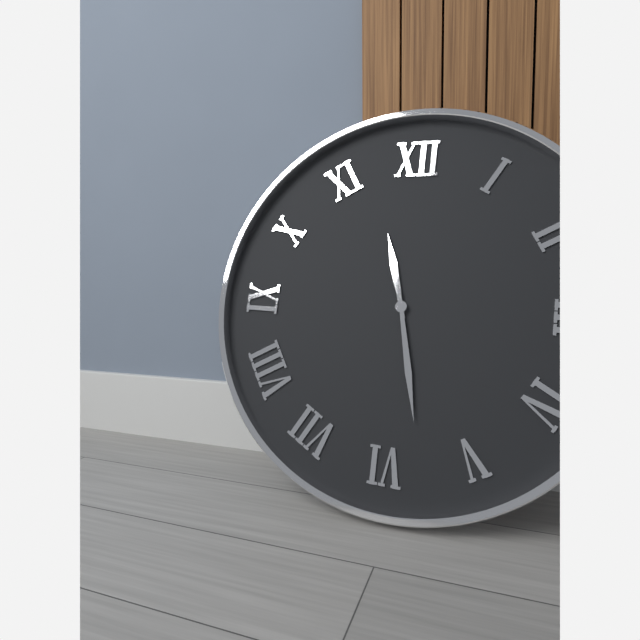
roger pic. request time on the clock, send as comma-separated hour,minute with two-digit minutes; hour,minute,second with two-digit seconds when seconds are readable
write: 11,28
